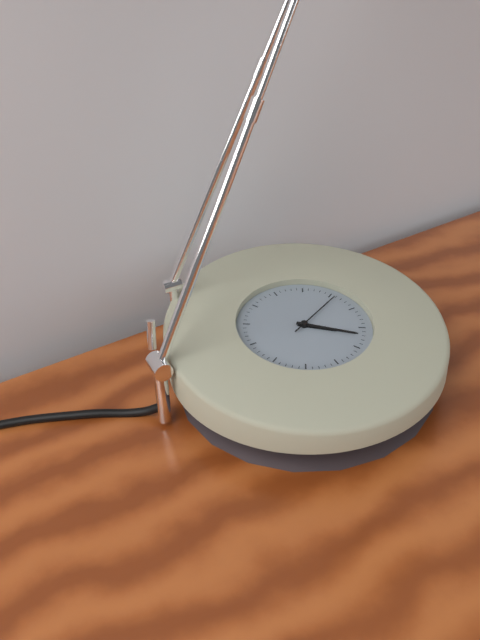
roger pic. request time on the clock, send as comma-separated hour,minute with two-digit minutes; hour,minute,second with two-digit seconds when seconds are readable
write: 4,22,11
